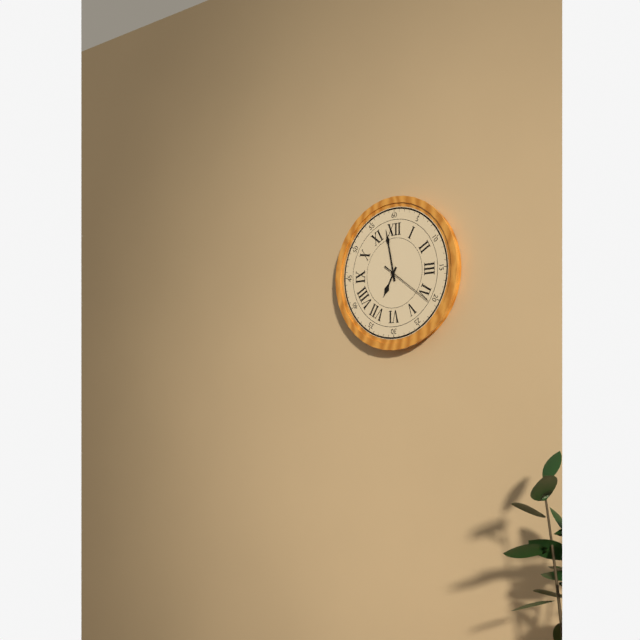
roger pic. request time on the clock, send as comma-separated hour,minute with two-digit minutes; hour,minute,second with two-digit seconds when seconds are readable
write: 6,58,21
